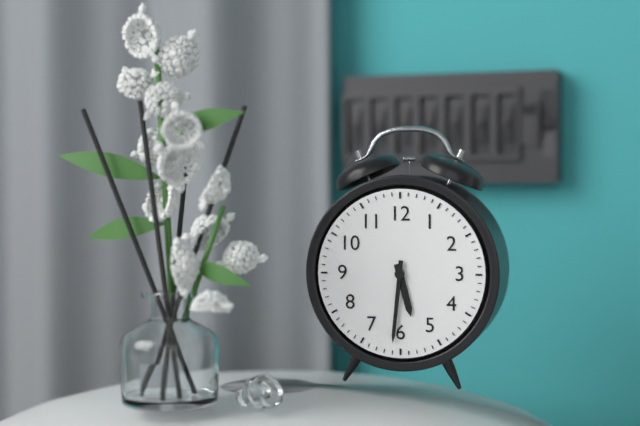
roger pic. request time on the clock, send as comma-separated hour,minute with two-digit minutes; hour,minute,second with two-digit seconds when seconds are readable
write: 5,31
